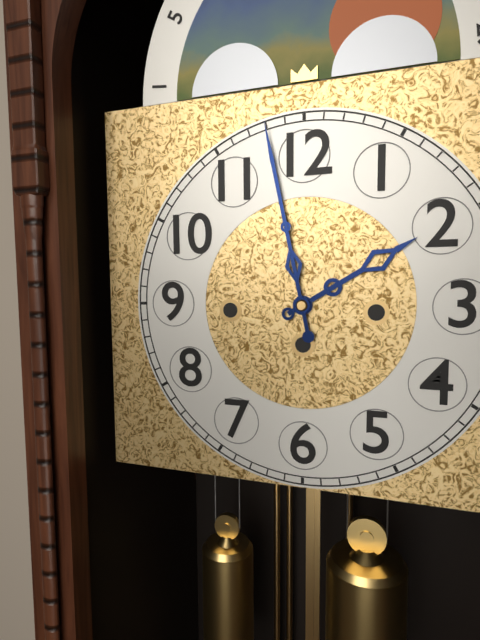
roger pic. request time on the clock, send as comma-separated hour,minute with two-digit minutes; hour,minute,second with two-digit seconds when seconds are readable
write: 1,58
